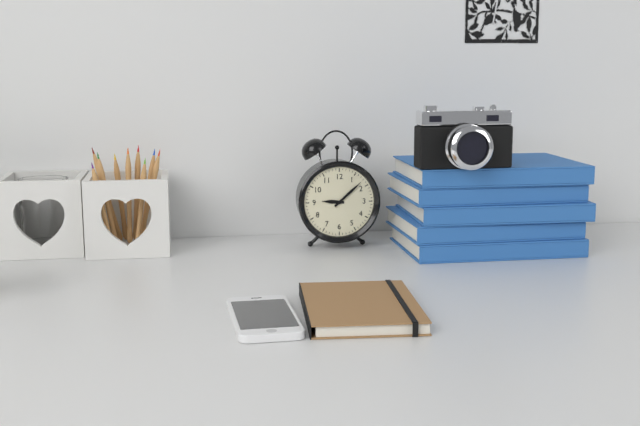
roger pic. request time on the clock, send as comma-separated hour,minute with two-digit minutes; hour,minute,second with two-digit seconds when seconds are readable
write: 9,08
